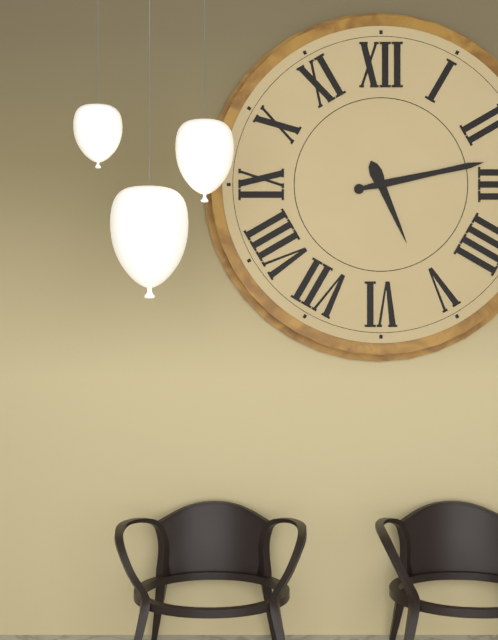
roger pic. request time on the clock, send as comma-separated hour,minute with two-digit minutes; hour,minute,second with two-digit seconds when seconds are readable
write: 5,13
